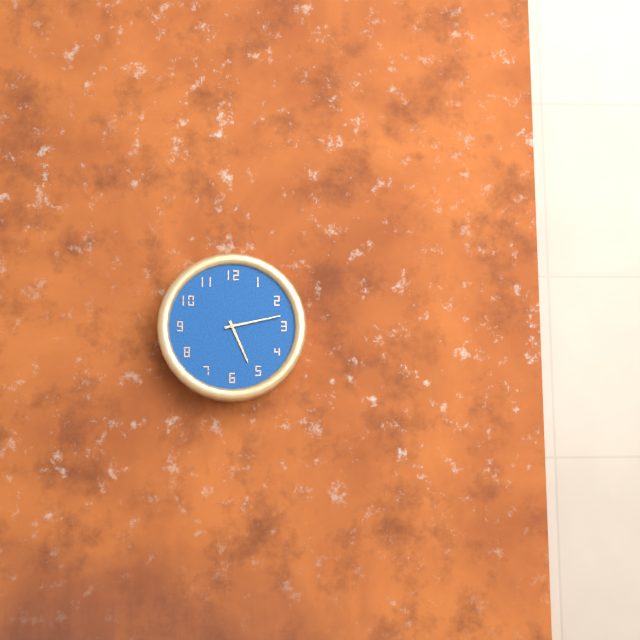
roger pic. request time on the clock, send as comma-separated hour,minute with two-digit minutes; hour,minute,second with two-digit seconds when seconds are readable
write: 5,13
